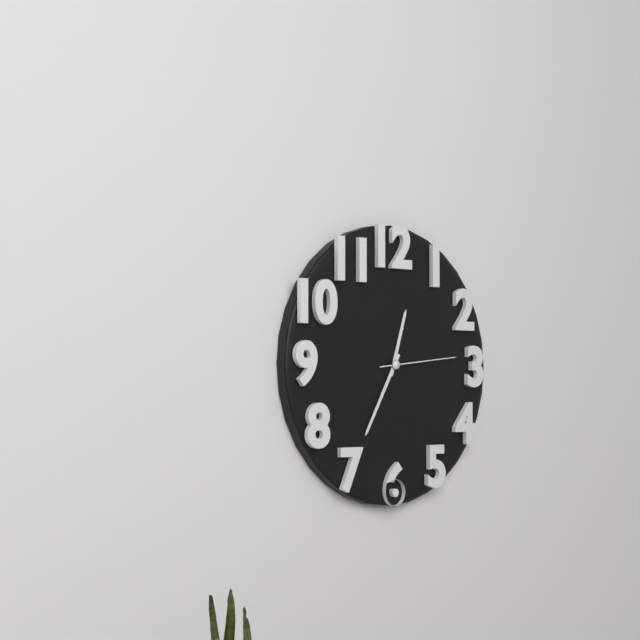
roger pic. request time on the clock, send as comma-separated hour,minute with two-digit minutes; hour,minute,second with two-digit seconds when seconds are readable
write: 12,35,14
